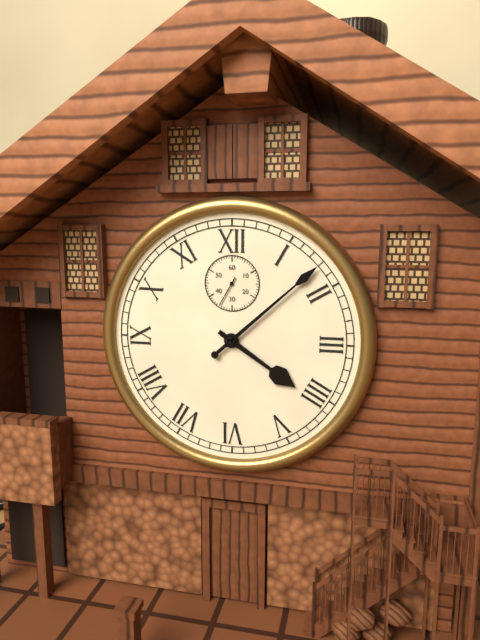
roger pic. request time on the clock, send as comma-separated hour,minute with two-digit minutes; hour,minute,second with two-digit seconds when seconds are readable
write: 4,08
